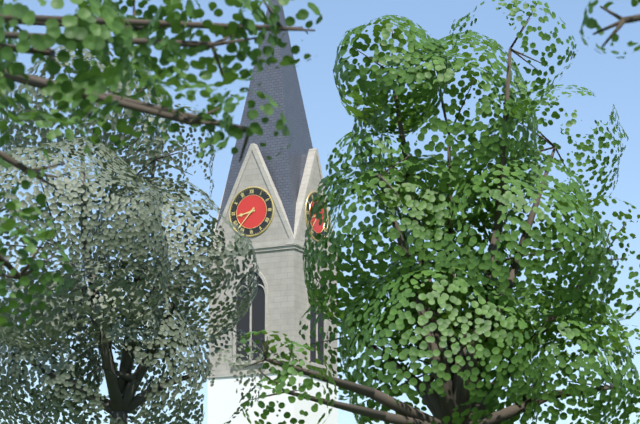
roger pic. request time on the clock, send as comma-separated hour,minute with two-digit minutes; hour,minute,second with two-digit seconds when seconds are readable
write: 8,37
